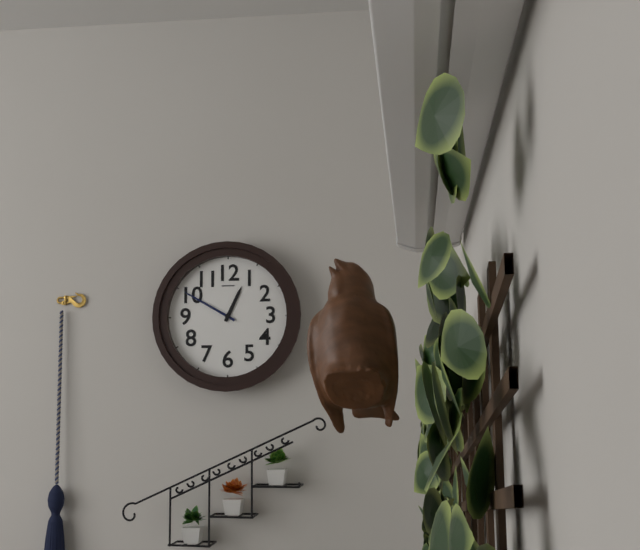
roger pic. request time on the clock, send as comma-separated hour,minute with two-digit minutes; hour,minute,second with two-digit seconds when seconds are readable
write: 12,50
